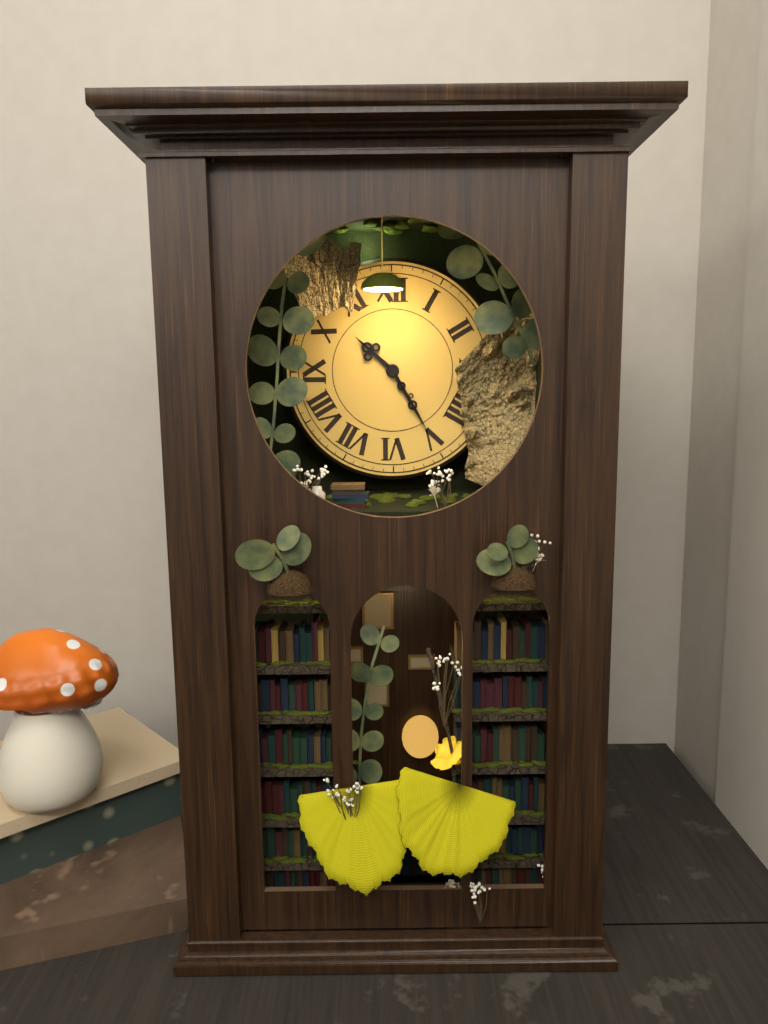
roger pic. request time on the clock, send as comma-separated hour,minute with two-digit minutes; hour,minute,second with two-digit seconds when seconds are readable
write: 10,25
